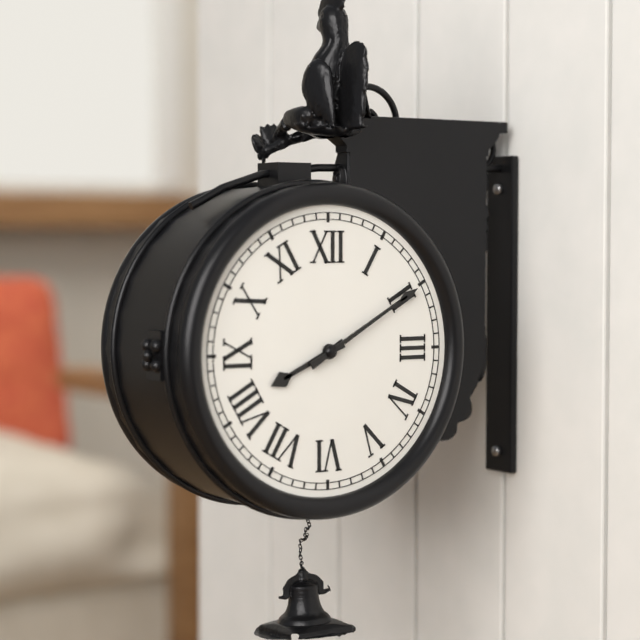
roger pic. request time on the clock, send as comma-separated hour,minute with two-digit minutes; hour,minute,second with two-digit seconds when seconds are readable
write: 8,10
